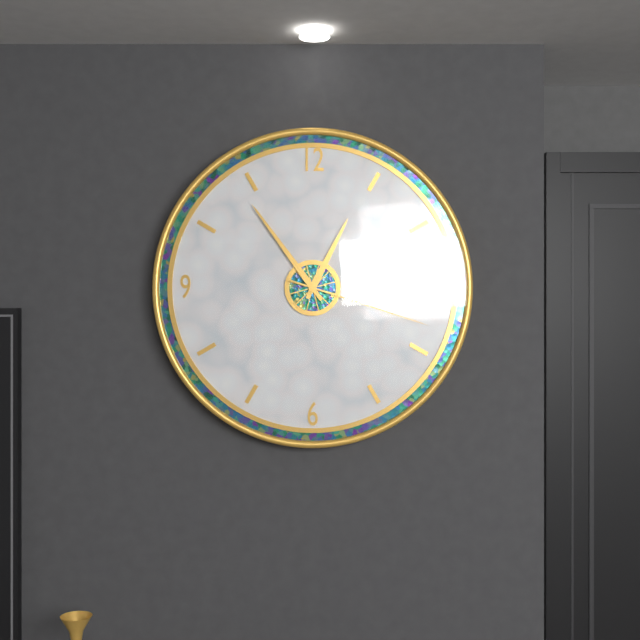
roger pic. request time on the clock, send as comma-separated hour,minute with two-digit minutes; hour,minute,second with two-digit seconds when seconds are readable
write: 12,54,18
